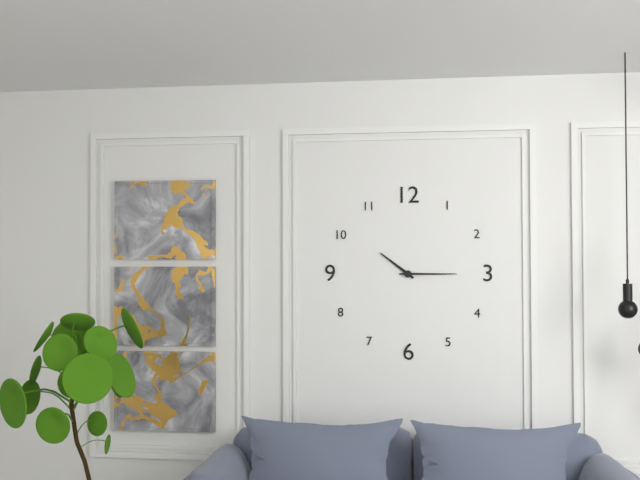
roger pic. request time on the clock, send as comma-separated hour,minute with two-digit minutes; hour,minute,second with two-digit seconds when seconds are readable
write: 10,15
